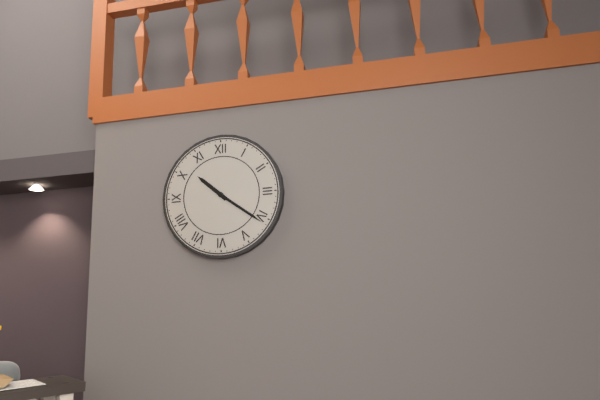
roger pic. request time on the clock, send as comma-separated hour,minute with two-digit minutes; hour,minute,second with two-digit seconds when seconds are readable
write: 10,21
